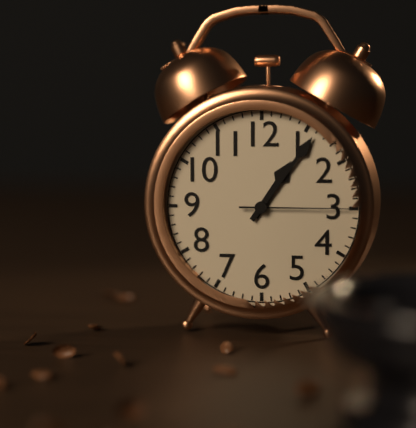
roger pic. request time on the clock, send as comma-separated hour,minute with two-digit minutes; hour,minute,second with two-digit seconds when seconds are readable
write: 1,06,15
